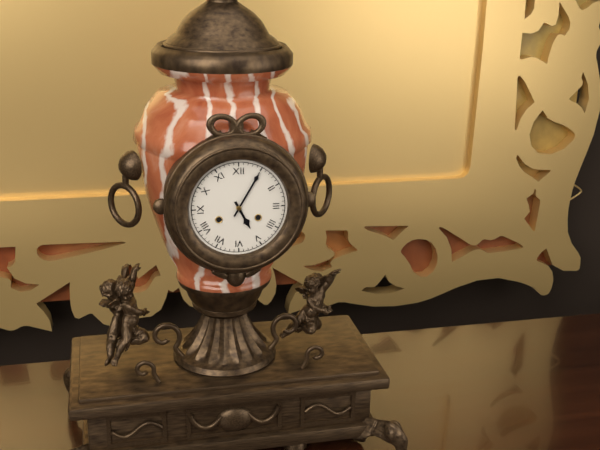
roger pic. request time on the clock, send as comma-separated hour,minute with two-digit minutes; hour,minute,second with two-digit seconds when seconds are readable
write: 5,05
